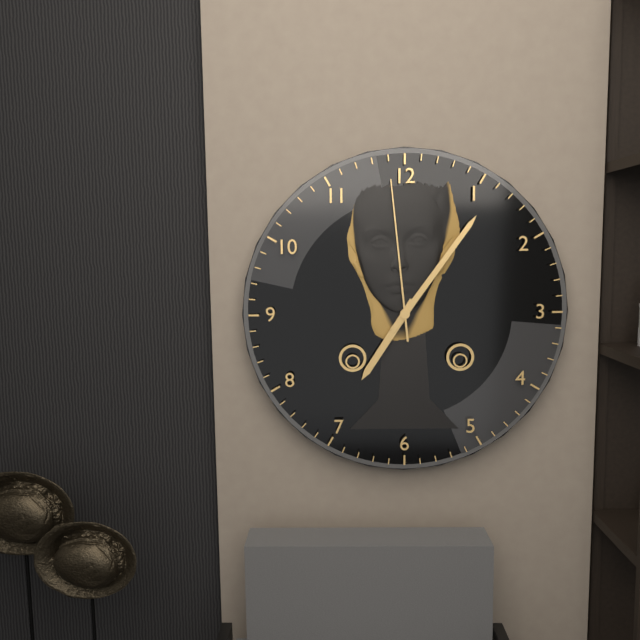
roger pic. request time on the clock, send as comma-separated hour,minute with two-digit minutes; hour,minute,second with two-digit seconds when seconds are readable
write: 7,06,59
